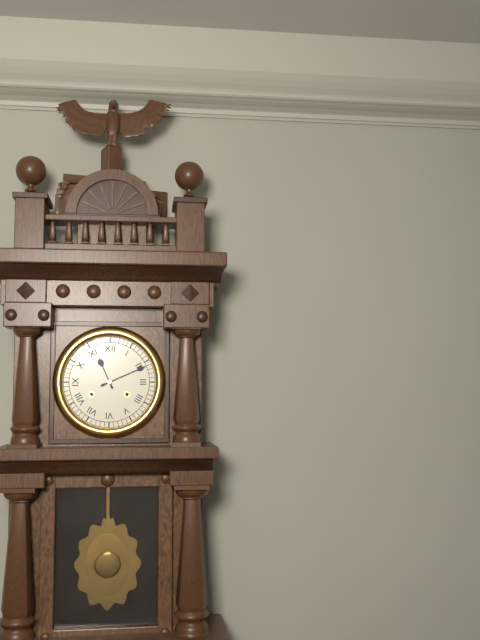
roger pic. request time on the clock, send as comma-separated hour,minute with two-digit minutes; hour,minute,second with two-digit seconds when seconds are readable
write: 11,11
